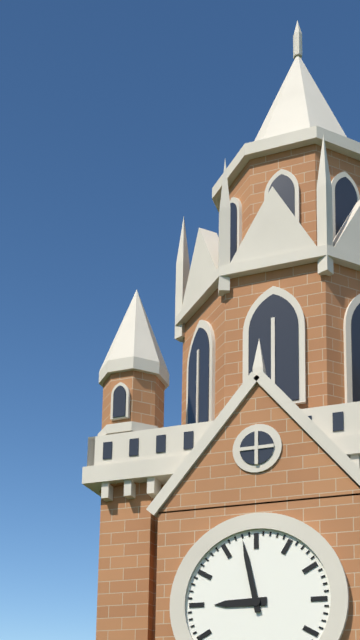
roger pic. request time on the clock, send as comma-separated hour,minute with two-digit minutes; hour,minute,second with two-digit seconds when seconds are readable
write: 8,58
